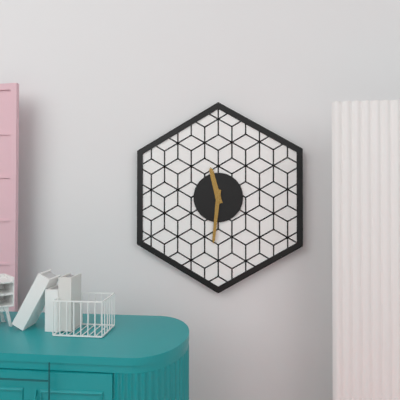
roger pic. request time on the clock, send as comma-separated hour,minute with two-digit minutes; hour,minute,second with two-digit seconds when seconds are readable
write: 11,31
